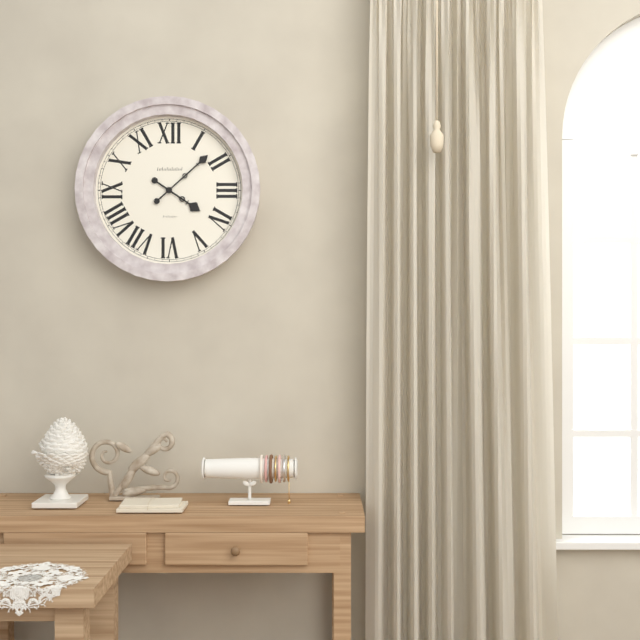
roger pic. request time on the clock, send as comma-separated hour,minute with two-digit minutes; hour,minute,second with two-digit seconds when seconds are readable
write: 4,08
